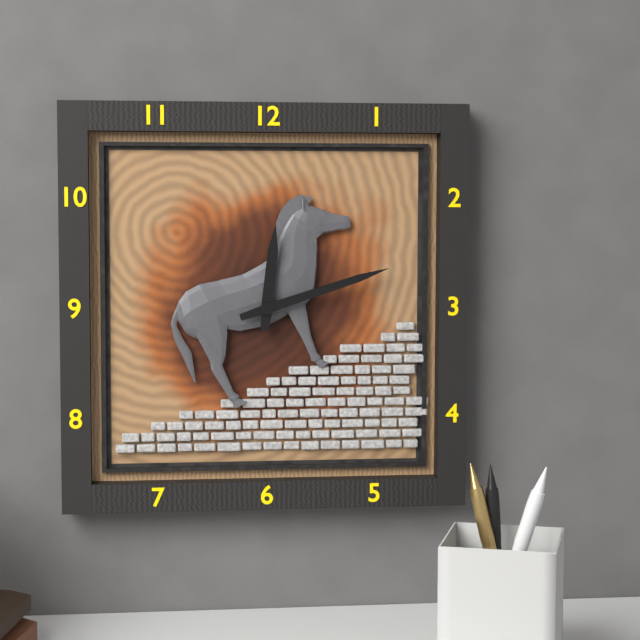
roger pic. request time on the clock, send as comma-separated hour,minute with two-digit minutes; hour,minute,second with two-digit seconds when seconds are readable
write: 12,12
